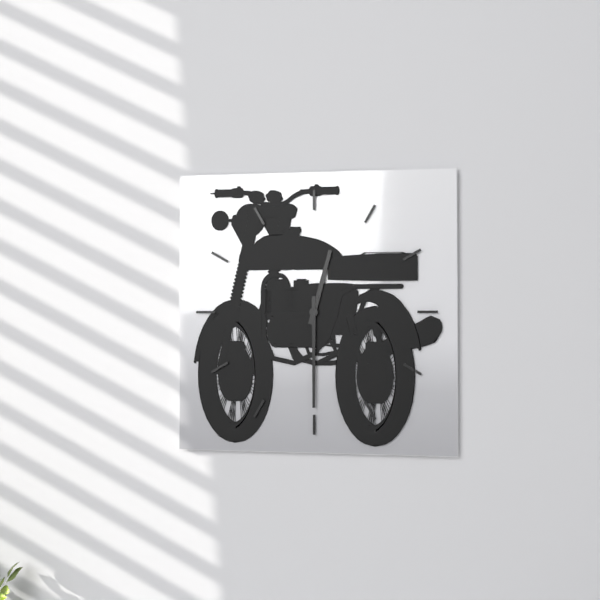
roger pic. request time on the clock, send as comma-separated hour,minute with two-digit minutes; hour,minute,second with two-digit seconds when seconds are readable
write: 12,30
